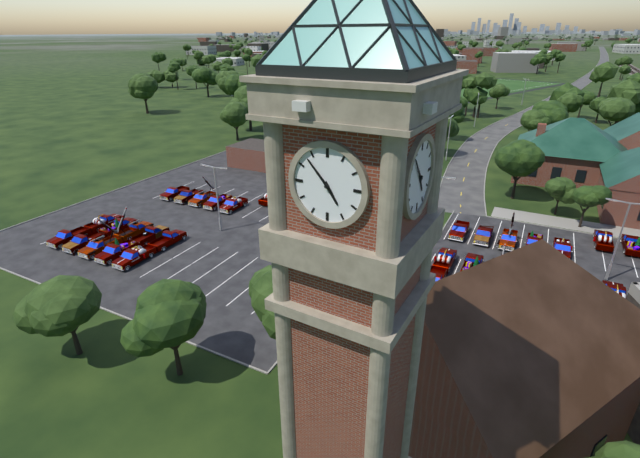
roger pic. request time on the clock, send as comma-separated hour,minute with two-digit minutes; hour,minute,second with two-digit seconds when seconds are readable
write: 4,53
